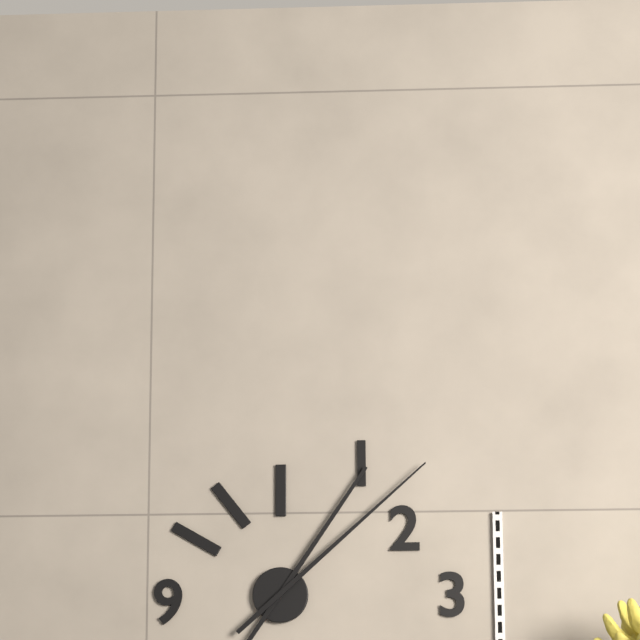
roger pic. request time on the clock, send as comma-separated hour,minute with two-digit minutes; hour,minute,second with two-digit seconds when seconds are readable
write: 1,08
